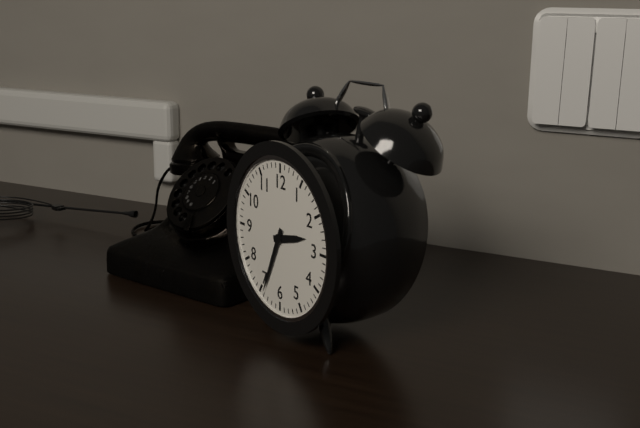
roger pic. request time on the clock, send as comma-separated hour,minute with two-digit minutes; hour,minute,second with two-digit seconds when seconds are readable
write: 2,34
